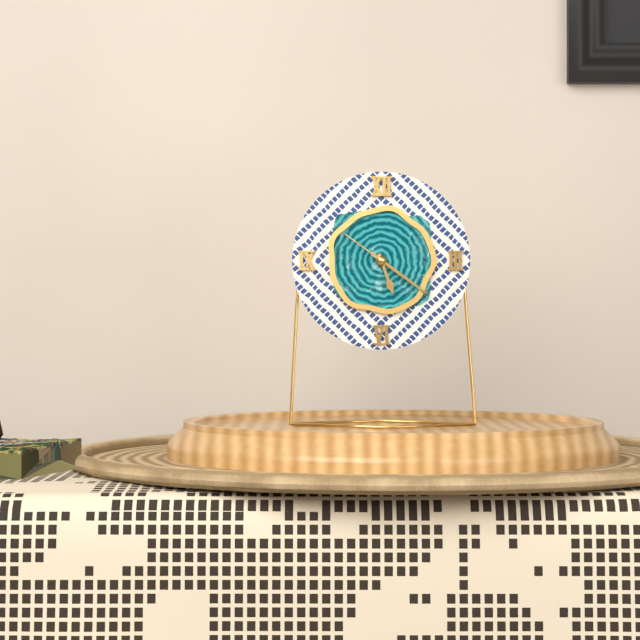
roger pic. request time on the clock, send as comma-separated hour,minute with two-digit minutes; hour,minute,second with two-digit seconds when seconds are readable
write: 5,21,51
